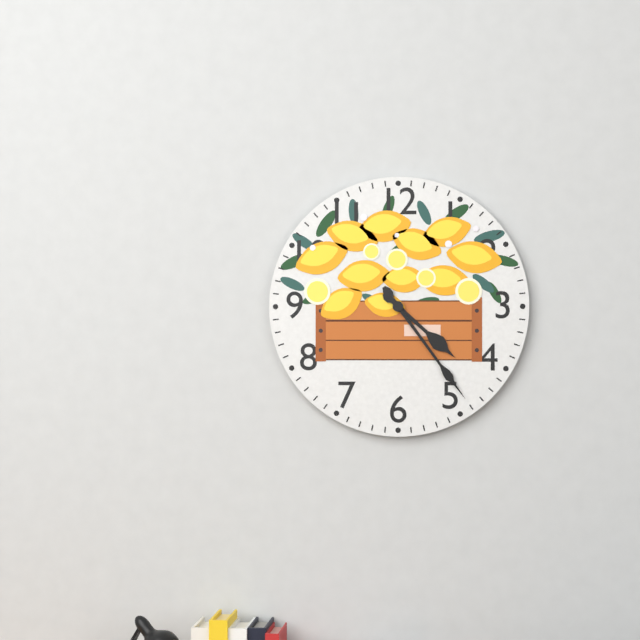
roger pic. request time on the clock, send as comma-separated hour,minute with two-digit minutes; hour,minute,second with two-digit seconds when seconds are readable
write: 4,24
